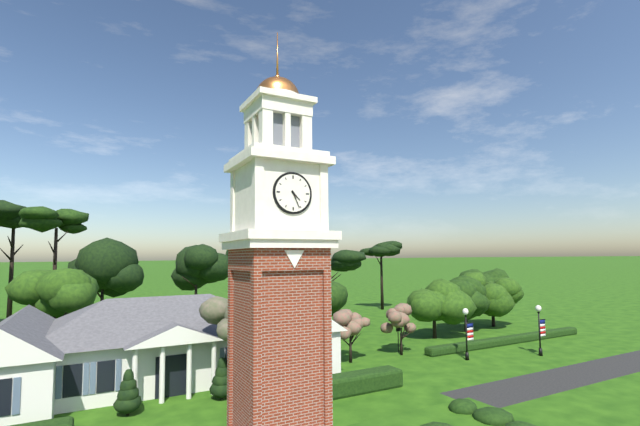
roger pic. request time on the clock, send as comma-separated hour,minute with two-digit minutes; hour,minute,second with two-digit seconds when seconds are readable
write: 4,26
